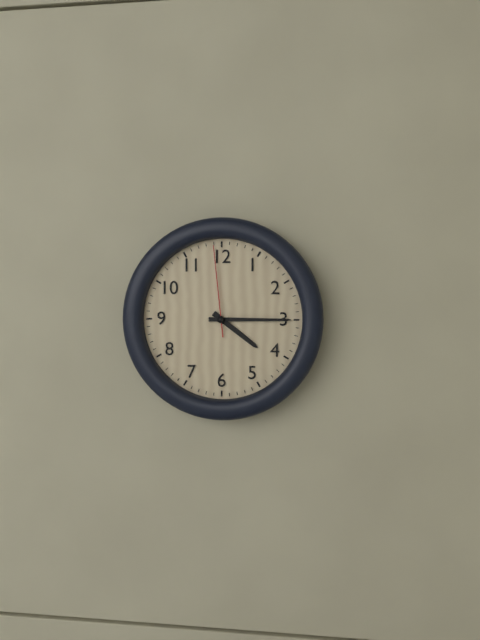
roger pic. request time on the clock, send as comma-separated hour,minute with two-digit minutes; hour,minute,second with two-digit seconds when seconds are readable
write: 4,15,59
